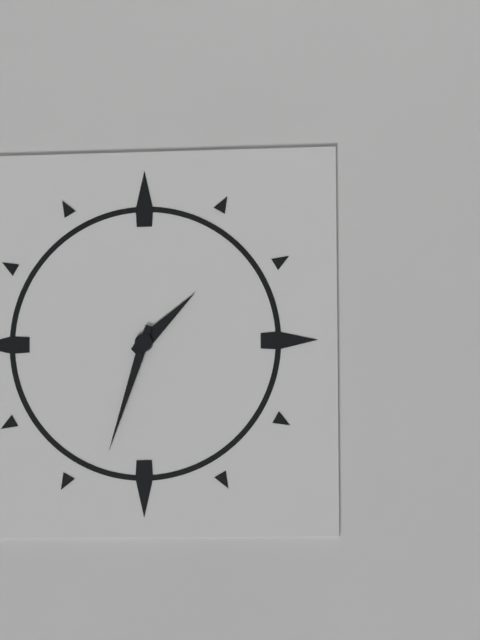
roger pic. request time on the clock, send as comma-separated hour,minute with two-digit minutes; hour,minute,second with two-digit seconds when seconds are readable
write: 1,33
